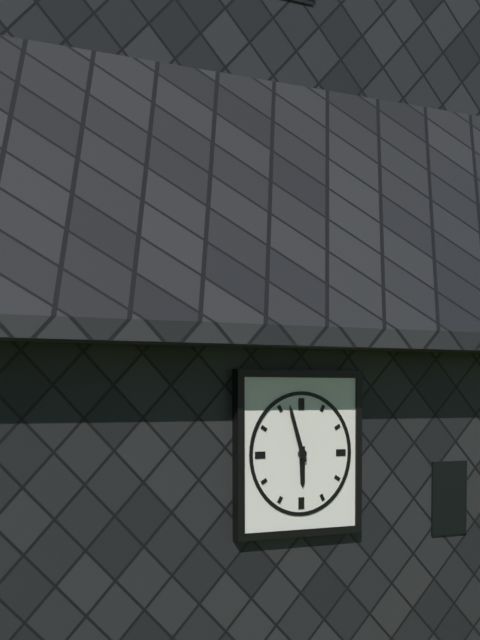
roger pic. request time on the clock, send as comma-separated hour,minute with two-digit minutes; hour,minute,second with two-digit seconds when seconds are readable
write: 5,57
